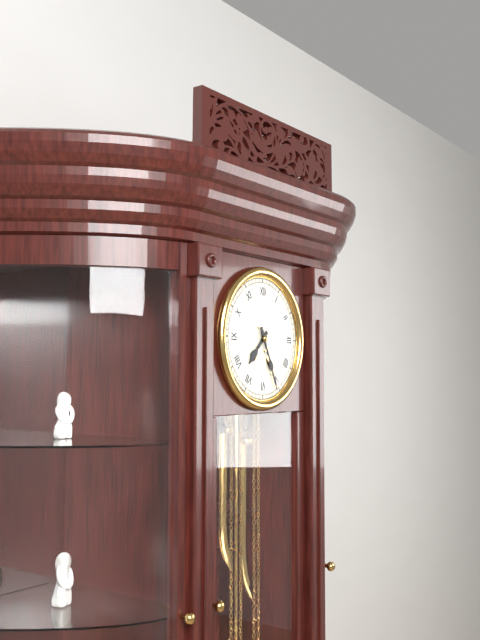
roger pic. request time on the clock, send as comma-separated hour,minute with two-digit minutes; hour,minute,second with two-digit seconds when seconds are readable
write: 7,26
